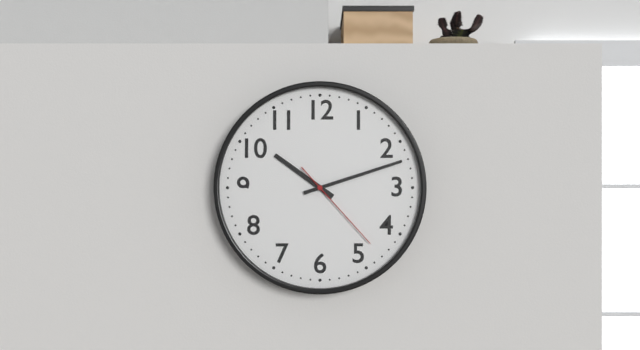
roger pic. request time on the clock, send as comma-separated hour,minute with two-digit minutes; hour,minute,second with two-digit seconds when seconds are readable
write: 10,12,23
